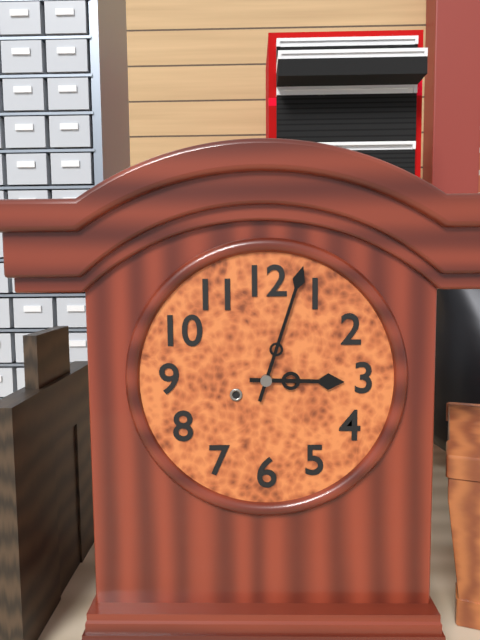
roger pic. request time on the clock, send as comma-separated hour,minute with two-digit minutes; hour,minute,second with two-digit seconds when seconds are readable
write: 3,03
